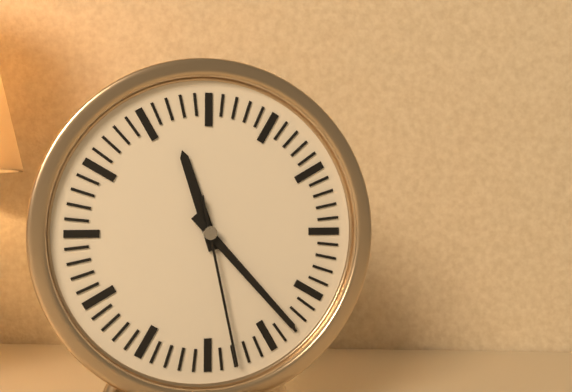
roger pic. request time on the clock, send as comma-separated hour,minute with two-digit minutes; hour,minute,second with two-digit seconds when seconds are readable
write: 11,23,28
